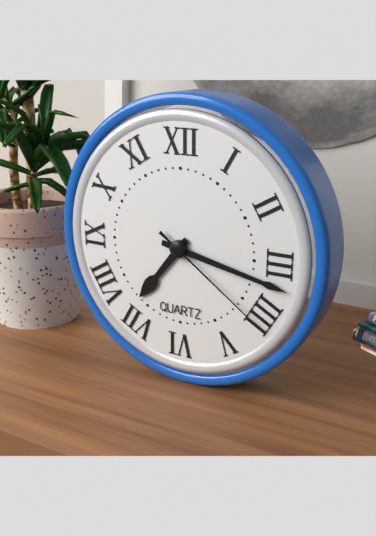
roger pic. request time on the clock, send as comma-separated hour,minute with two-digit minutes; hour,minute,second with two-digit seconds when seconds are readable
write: 7,17,21
